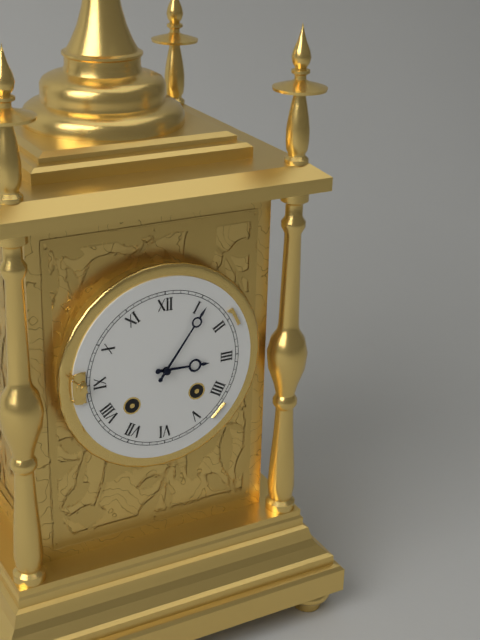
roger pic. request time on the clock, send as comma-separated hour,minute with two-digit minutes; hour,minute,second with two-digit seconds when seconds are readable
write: 3,06
